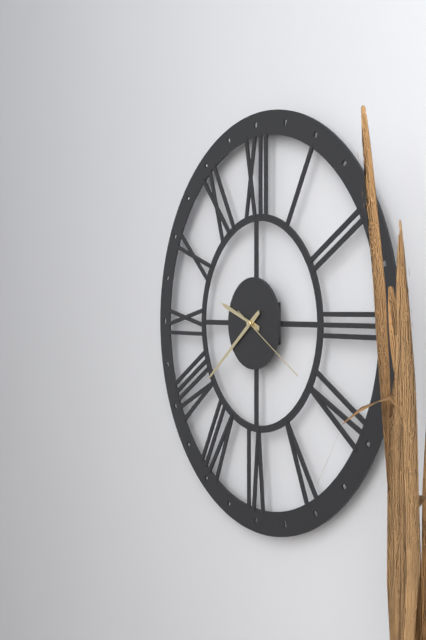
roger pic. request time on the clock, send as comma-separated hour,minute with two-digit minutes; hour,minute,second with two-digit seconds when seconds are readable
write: 9,39,20
